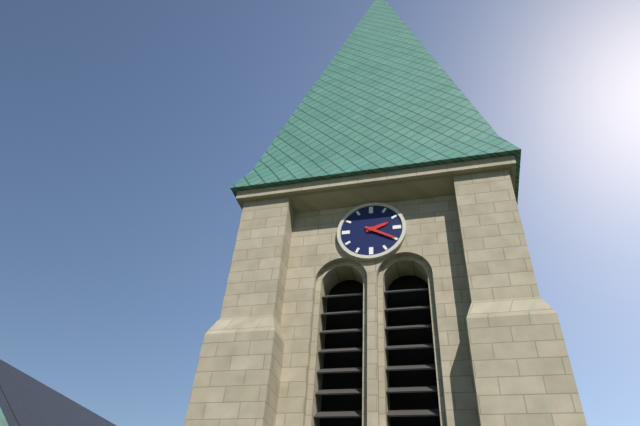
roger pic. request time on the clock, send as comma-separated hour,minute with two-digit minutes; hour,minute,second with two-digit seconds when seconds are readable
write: 2,20
